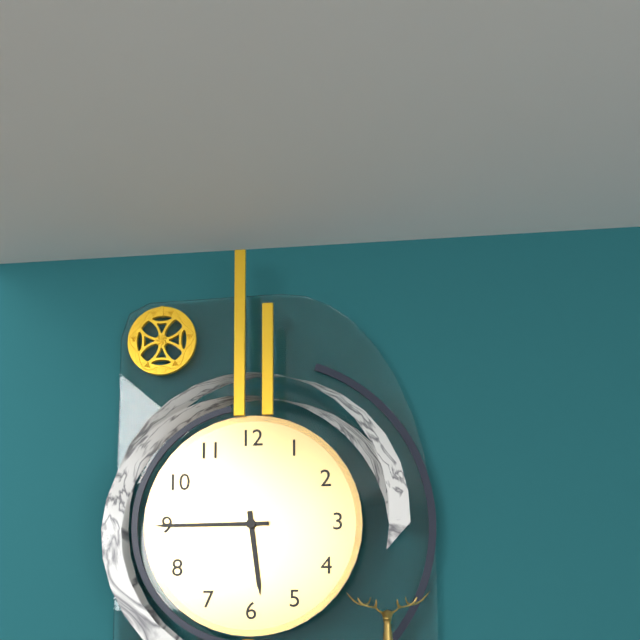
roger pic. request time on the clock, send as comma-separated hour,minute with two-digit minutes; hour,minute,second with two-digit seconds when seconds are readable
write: 5,45
